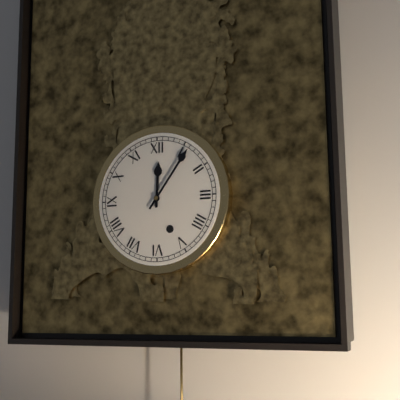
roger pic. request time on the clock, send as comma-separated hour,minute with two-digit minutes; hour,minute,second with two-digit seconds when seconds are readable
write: 12,06
